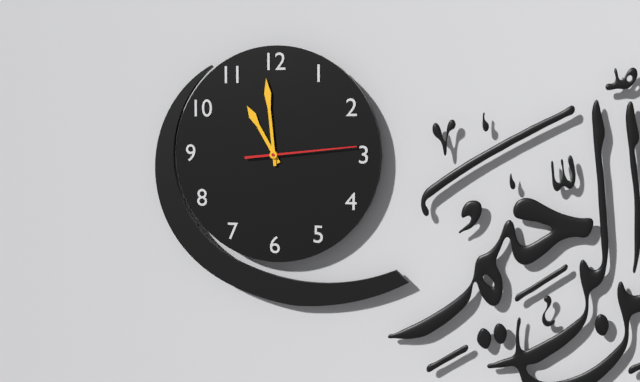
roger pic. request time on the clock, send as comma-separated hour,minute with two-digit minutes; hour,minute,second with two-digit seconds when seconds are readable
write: 10,59,14
